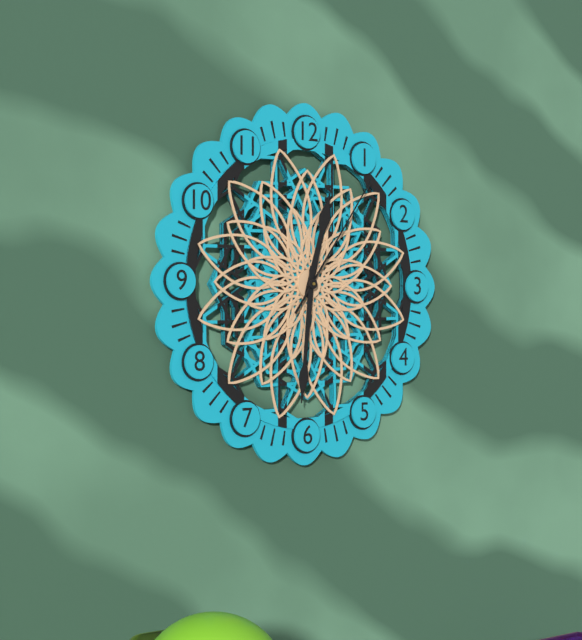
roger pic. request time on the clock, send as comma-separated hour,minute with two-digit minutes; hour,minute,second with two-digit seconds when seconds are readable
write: 12,31,06
